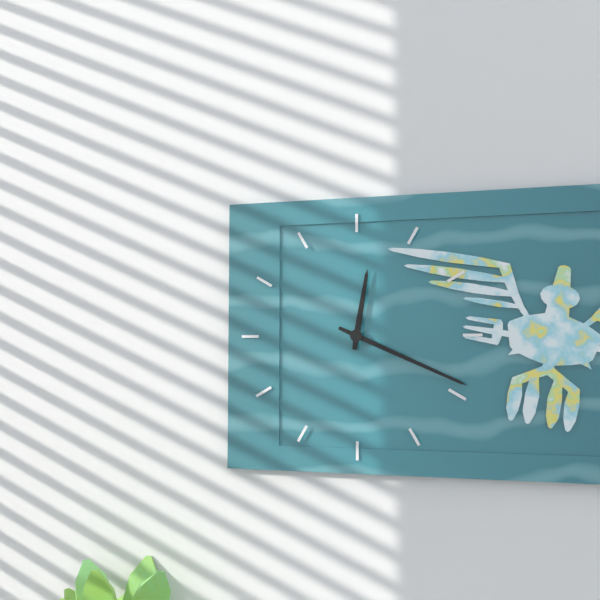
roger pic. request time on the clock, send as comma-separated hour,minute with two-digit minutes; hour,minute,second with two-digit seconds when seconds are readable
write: 12,19
